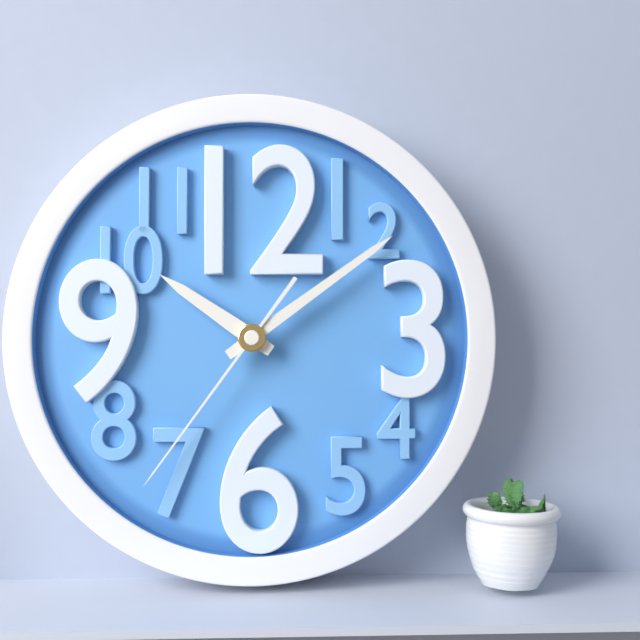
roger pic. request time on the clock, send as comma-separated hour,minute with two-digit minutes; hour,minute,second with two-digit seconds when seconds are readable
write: 10,09,36
